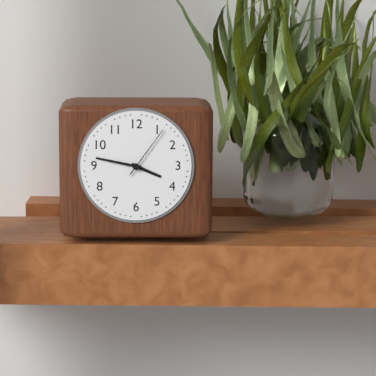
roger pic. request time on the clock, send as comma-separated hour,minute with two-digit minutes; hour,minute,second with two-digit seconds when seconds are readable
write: 3,47,06
